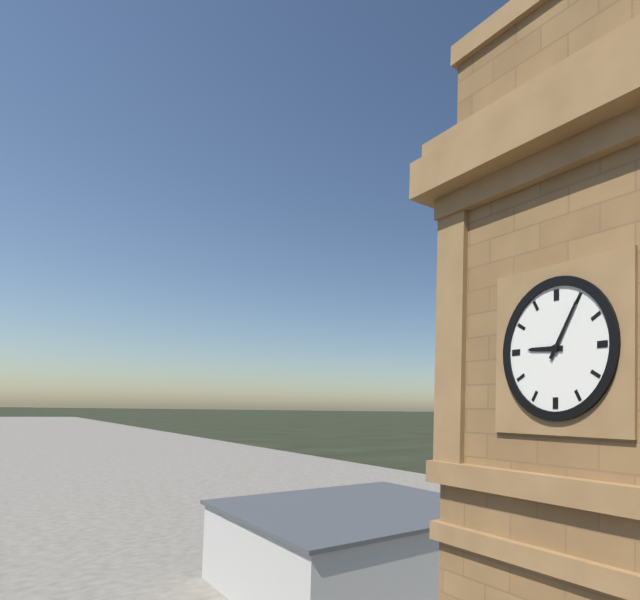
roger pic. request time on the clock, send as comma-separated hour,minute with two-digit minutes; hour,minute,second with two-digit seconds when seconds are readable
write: 9,05
